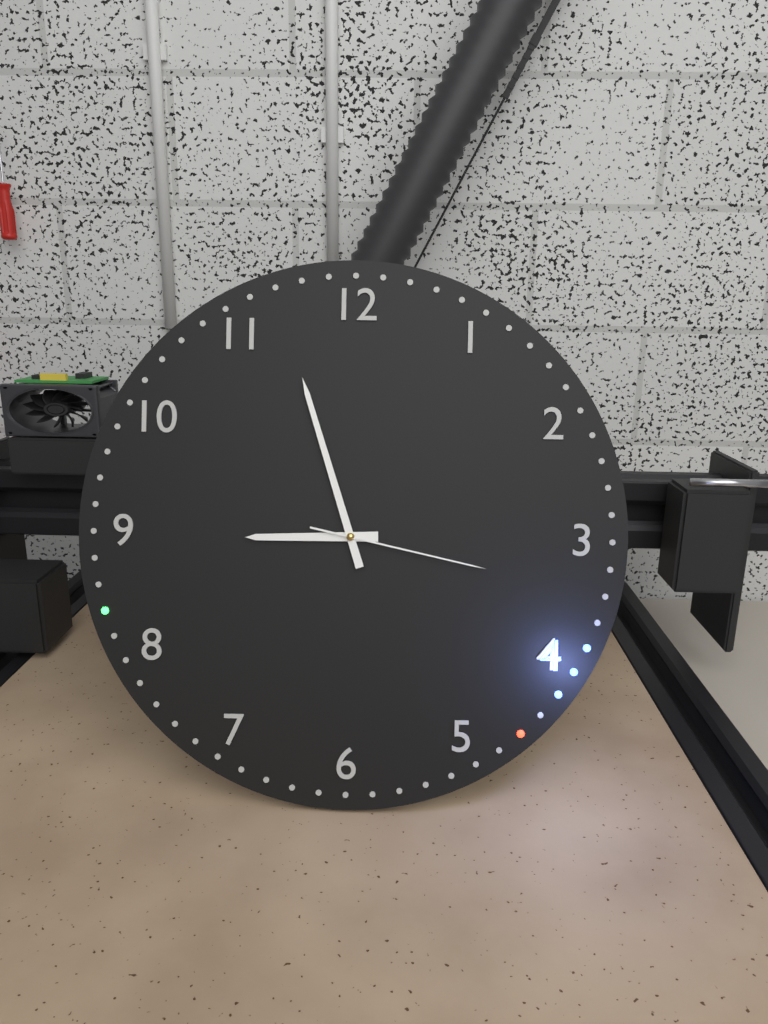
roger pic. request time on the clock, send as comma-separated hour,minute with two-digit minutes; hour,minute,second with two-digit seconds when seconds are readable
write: 8,57,17
